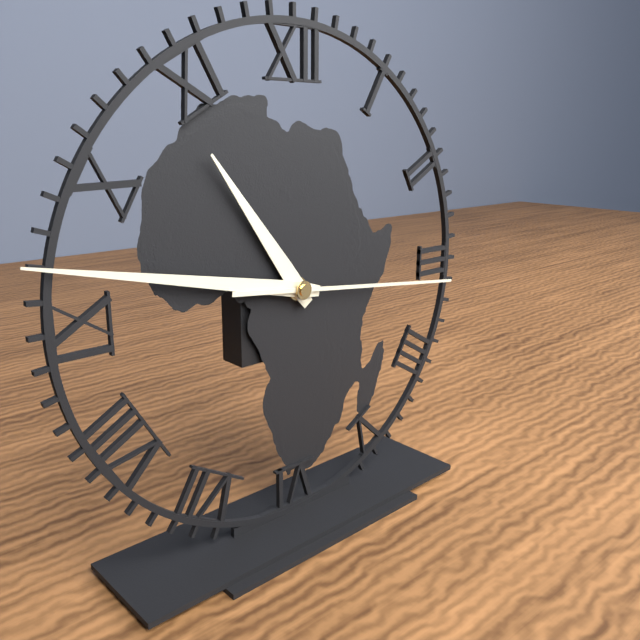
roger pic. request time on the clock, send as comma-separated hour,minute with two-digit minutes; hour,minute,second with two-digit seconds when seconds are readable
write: 10,47,16
